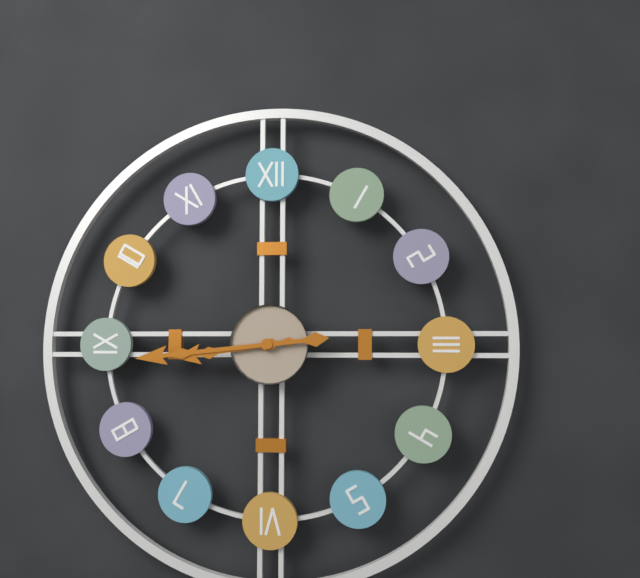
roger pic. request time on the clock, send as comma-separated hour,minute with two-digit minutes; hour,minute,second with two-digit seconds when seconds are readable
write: 8,44
